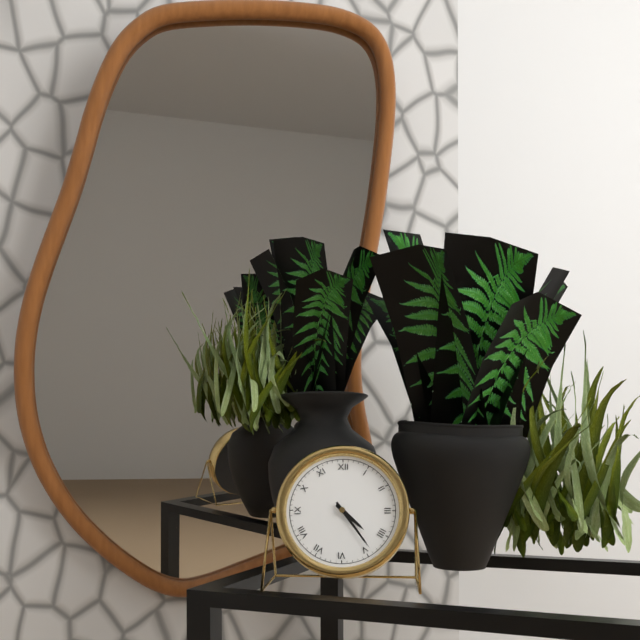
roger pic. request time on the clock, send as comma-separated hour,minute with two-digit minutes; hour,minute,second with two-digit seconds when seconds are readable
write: 4,24
